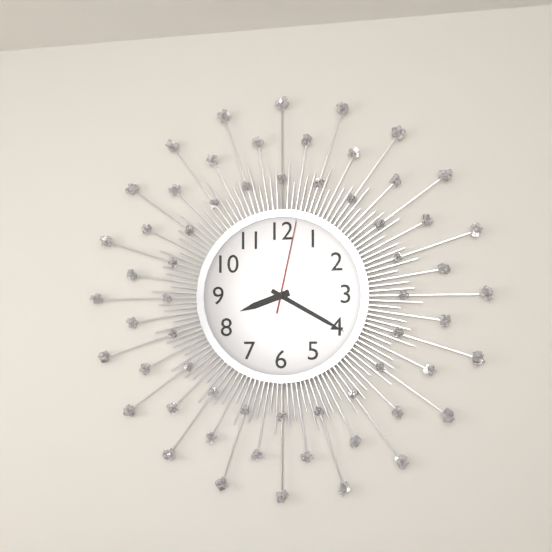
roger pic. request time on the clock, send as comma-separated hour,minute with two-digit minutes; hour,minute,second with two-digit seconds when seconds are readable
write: 8,20,02
